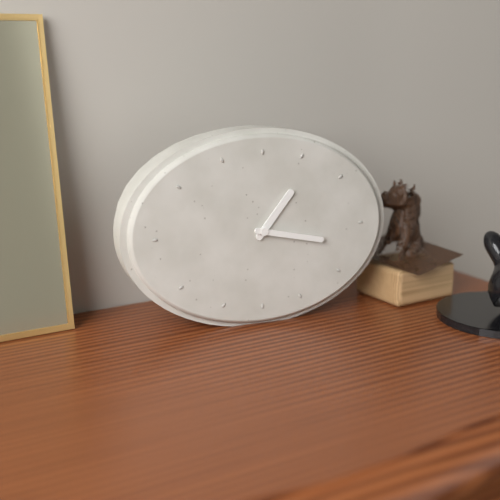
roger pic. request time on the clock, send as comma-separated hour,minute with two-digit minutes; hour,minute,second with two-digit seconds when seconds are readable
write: 1,17
